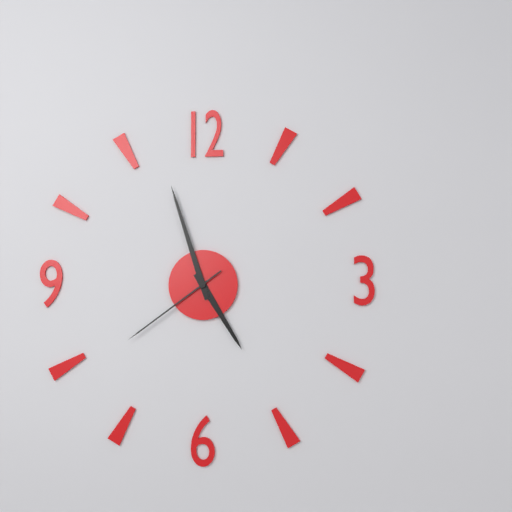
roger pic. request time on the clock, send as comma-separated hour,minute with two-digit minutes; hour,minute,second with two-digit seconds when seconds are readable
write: 4,57,39
